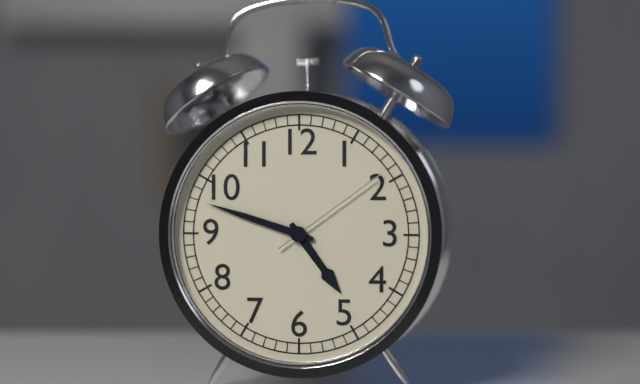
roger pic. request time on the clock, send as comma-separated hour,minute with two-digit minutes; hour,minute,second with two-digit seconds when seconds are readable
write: 4,48,09
